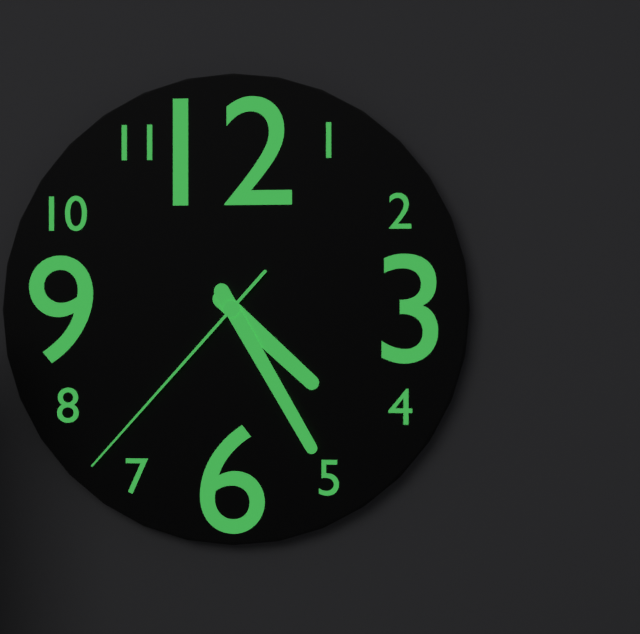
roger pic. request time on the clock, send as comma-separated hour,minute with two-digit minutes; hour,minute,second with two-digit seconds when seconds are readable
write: 4,25,37
